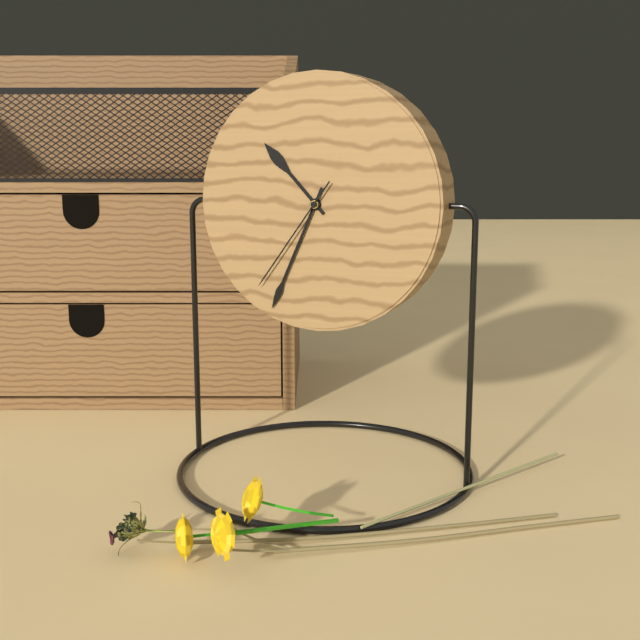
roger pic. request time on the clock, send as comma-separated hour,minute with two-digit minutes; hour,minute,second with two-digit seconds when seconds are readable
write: 10,34,36
